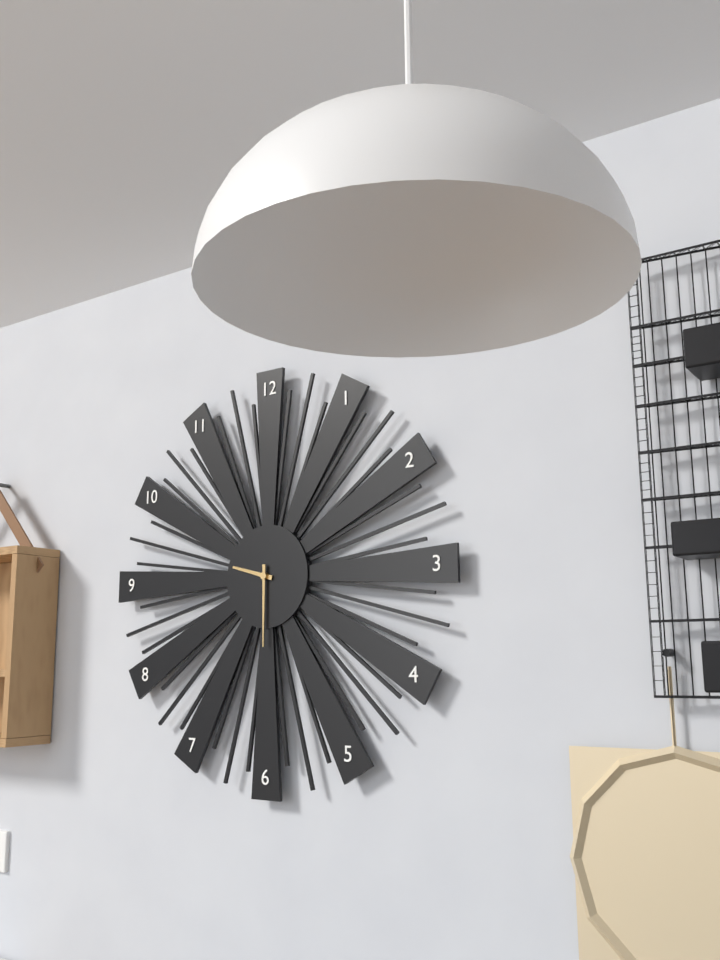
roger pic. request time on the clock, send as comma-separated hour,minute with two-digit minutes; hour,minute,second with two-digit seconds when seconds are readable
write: 9,30
